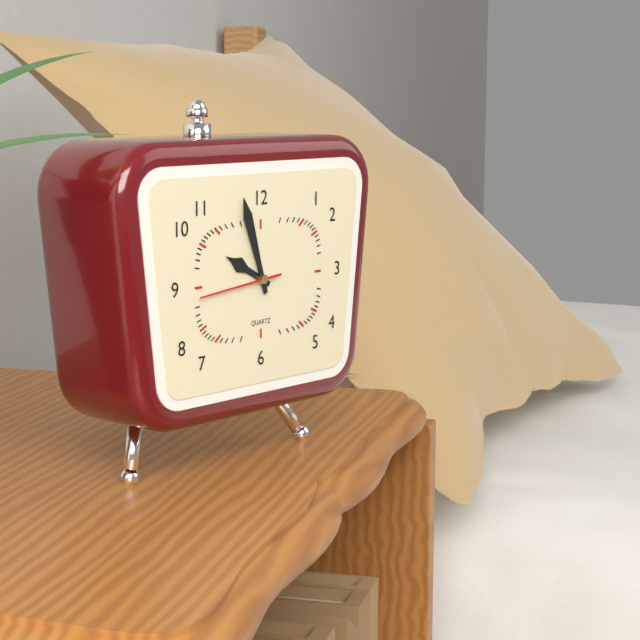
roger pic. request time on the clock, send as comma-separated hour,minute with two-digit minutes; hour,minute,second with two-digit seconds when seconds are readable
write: 9,57,44
